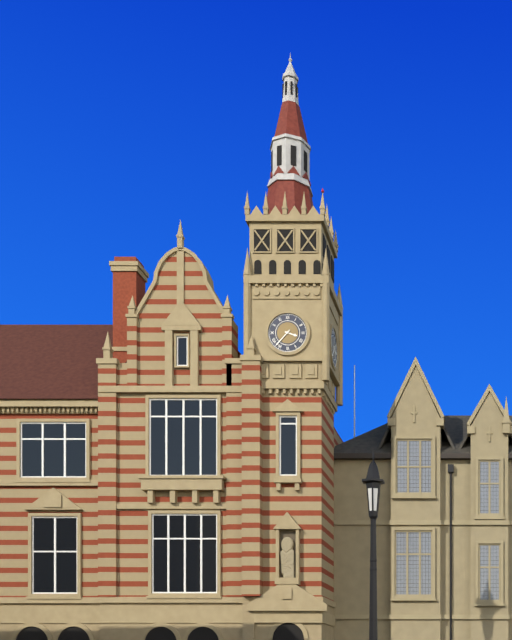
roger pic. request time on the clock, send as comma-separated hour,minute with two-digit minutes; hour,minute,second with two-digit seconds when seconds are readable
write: 3,37
